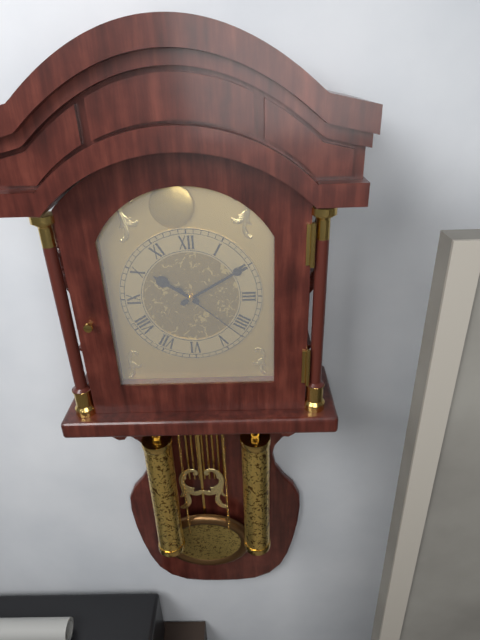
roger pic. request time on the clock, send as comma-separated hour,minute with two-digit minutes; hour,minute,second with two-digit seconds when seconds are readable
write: 10,10,22
